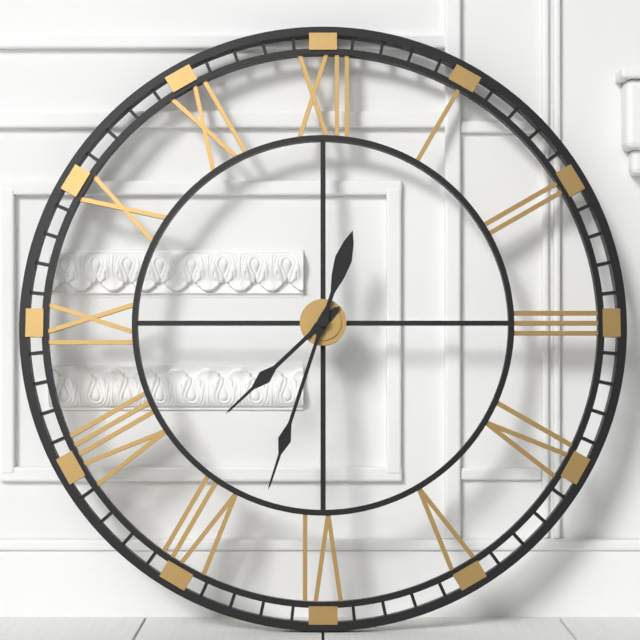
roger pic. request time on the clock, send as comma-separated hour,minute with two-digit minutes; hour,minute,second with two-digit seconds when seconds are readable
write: 7,33
